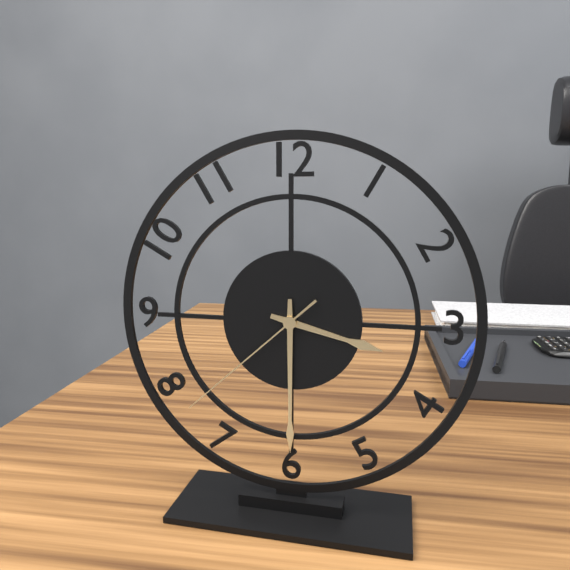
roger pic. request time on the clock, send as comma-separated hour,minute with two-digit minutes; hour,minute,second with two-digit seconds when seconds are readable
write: 3,30,38
